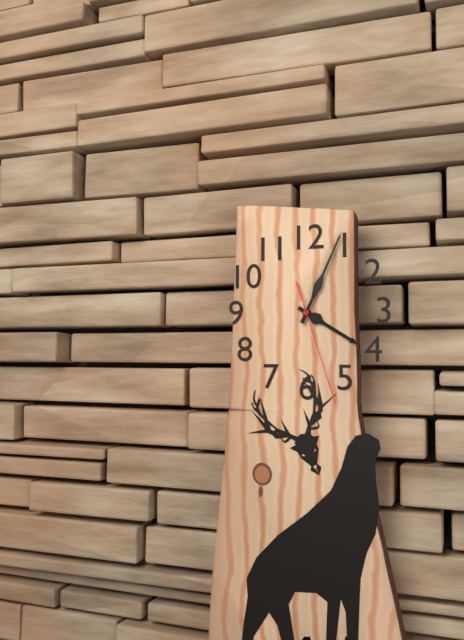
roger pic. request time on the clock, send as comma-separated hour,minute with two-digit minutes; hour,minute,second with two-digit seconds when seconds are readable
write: 4,04,27
